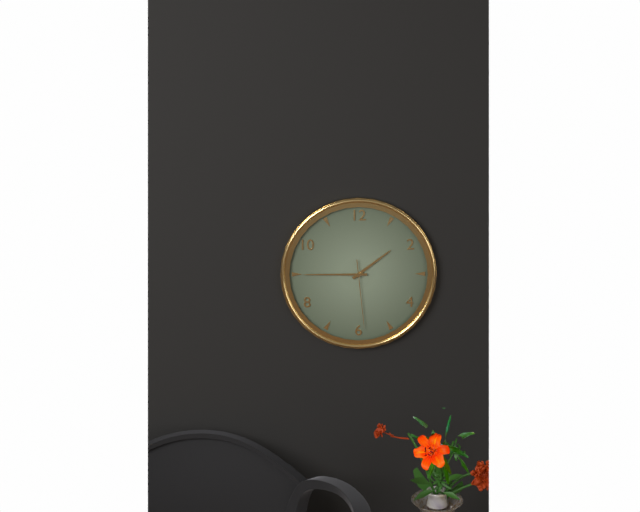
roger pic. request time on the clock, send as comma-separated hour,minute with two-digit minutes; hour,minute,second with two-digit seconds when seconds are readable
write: 1,45,29
